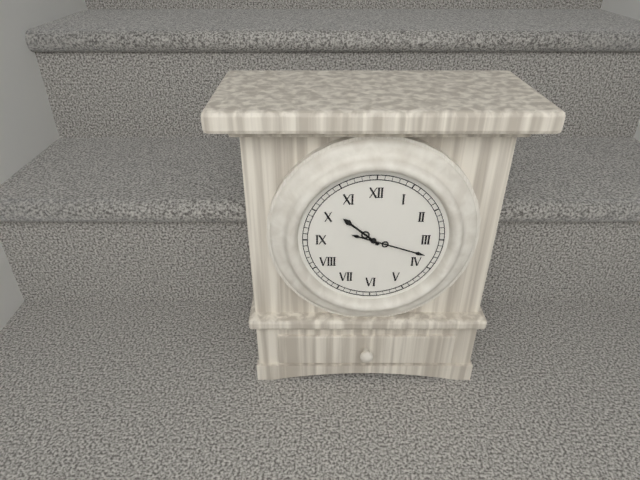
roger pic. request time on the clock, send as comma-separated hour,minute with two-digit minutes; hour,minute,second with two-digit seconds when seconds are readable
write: 10,18
